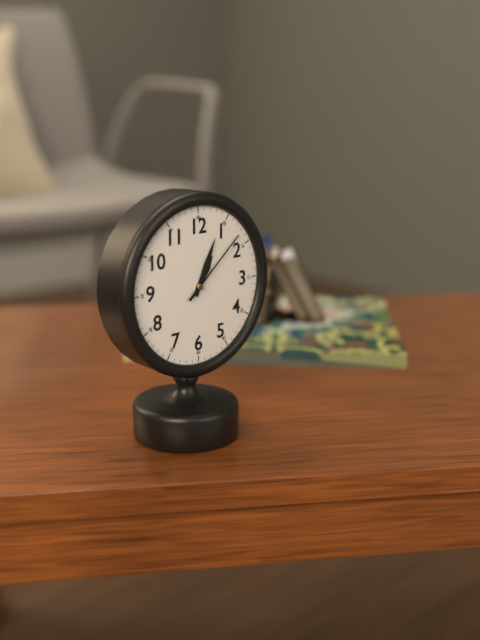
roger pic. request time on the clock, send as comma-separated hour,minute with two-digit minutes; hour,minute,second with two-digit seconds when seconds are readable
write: 1,04,08
